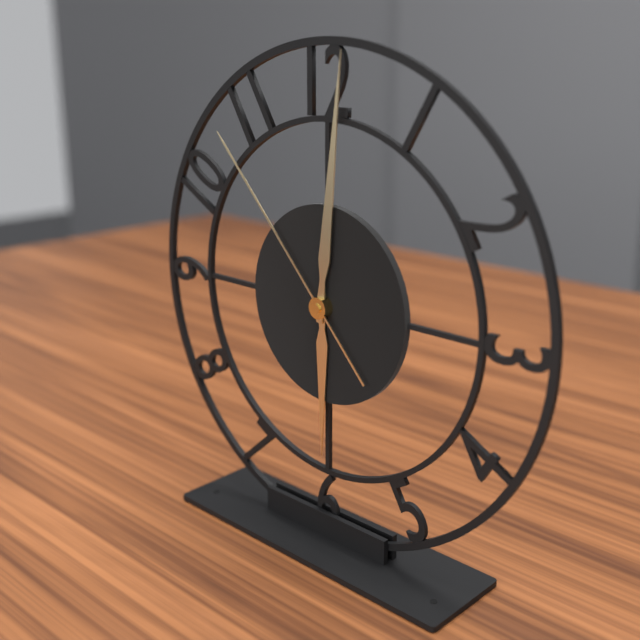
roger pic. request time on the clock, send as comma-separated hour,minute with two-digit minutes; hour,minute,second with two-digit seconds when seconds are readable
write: 6,01,53
